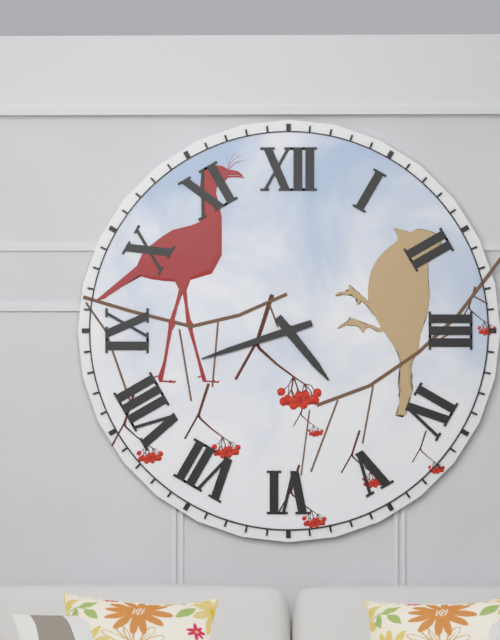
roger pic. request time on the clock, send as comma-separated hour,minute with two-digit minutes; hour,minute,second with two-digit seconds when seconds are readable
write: 4,42
